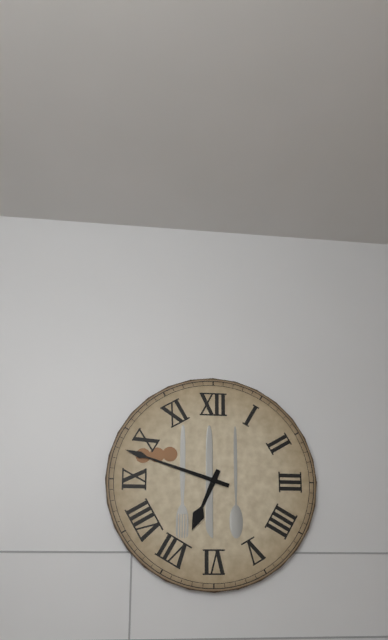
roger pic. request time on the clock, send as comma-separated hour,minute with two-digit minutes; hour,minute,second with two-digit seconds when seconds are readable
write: 6,48
